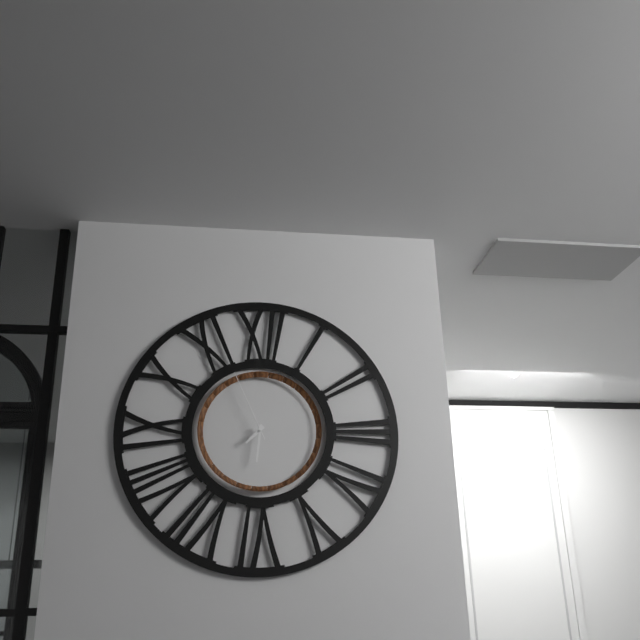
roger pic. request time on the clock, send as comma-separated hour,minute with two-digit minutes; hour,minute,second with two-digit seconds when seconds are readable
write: 7,31,56
